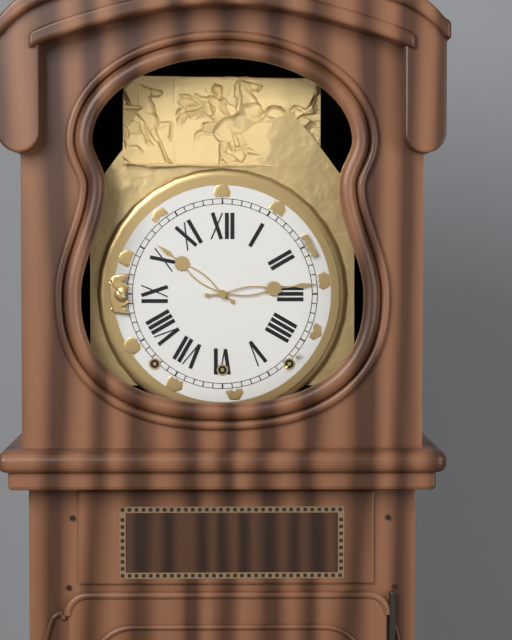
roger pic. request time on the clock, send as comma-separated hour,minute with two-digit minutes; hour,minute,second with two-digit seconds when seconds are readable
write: 10,14
